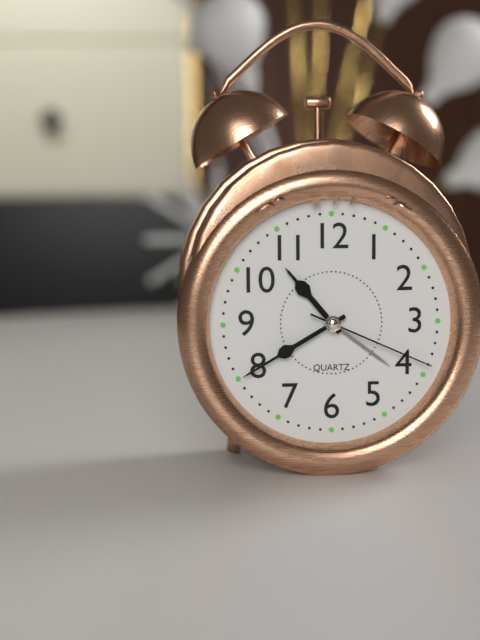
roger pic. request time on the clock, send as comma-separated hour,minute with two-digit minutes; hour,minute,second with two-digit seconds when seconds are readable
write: 10,40,19
